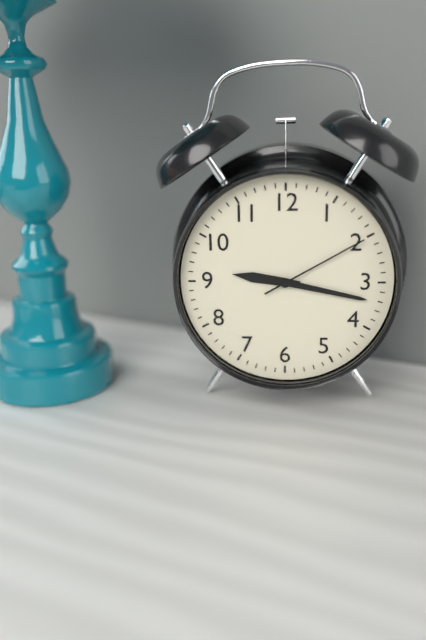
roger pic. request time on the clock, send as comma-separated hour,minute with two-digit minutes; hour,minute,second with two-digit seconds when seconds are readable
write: 9,17,10
